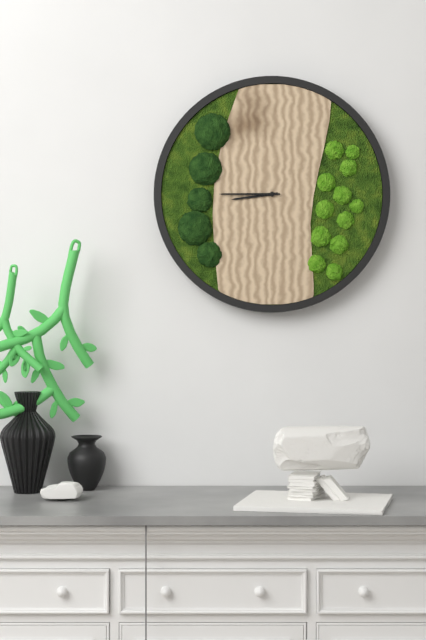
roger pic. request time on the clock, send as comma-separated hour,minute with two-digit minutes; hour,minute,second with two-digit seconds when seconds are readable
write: 8,45
